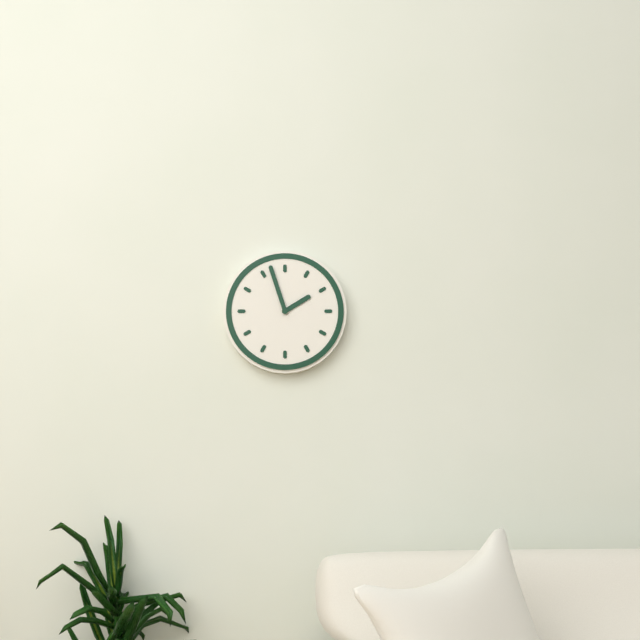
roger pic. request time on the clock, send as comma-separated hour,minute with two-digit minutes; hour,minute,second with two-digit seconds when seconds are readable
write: 1,57
